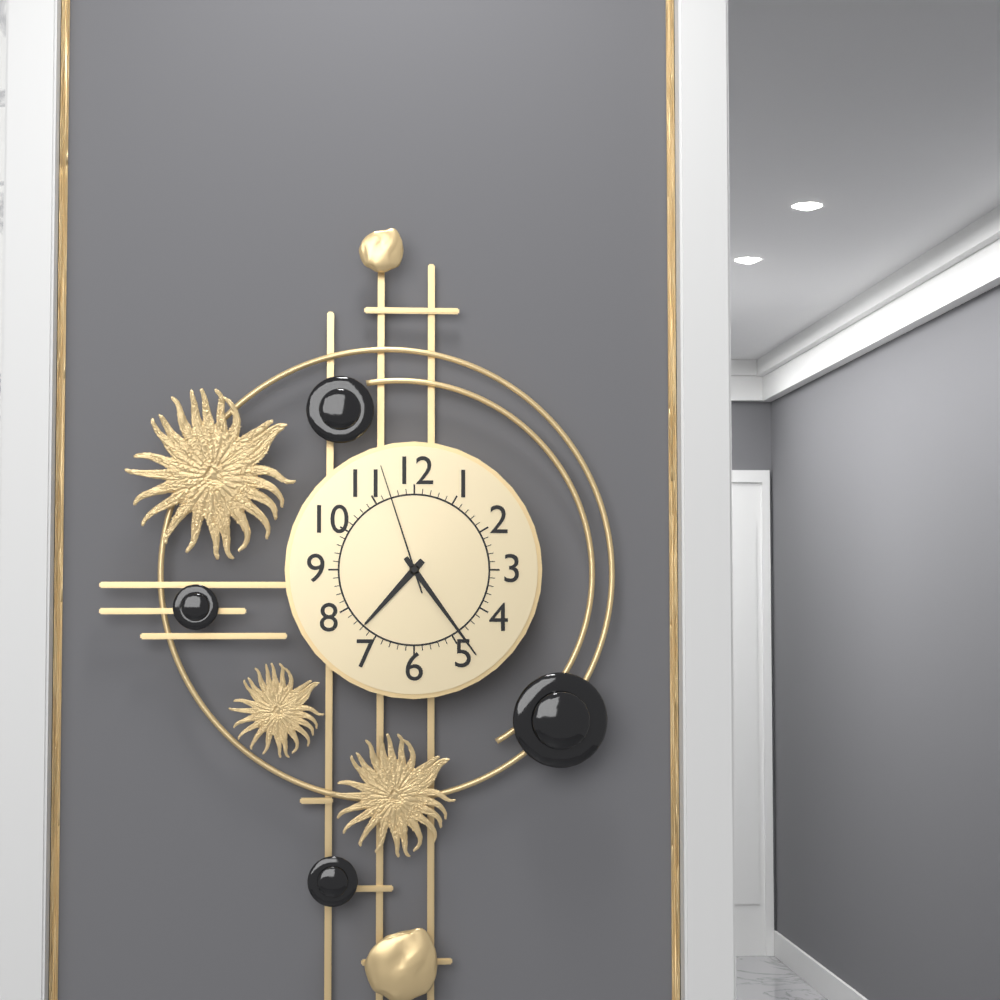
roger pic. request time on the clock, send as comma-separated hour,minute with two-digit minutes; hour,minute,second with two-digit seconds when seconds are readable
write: 7,24,57
